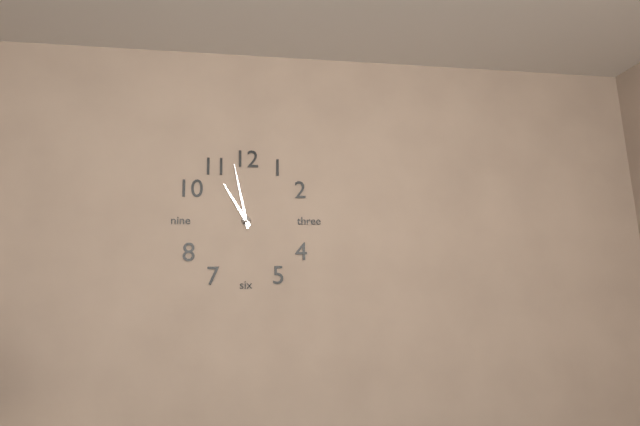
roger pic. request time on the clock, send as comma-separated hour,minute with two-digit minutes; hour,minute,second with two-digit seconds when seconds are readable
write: 10,58
